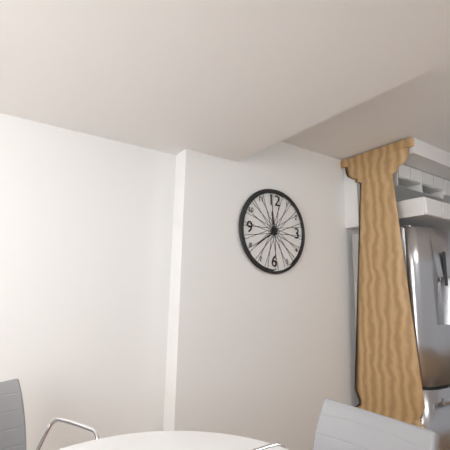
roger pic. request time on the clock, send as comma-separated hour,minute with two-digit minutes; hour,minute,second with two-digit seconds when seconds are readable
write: 11,39
